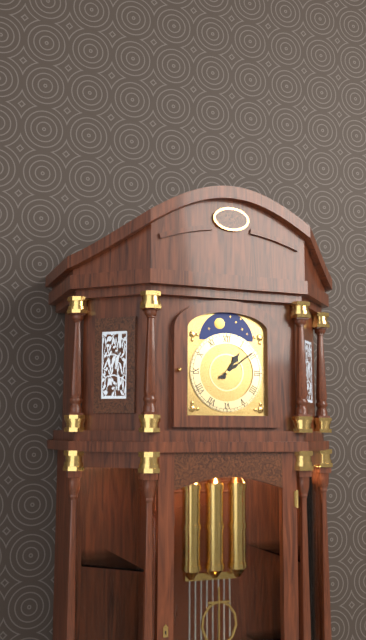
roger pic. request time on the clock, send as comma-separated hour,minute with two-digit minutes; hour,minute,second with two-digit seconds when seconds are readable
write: 1,09
